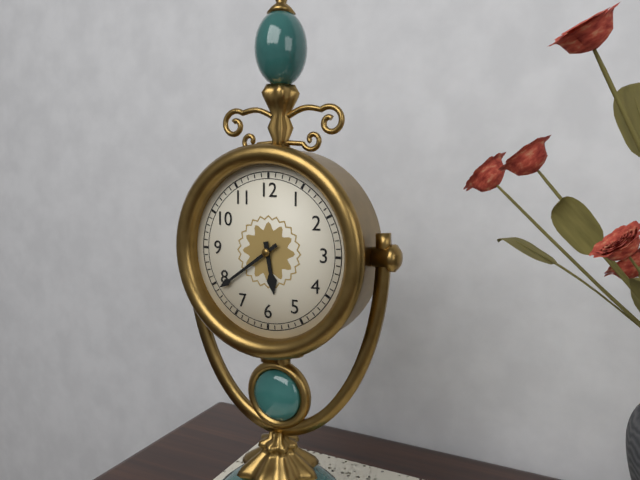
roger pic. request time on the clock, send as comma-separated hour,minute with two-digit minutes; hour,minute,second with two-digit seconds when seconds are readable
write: 5,39
